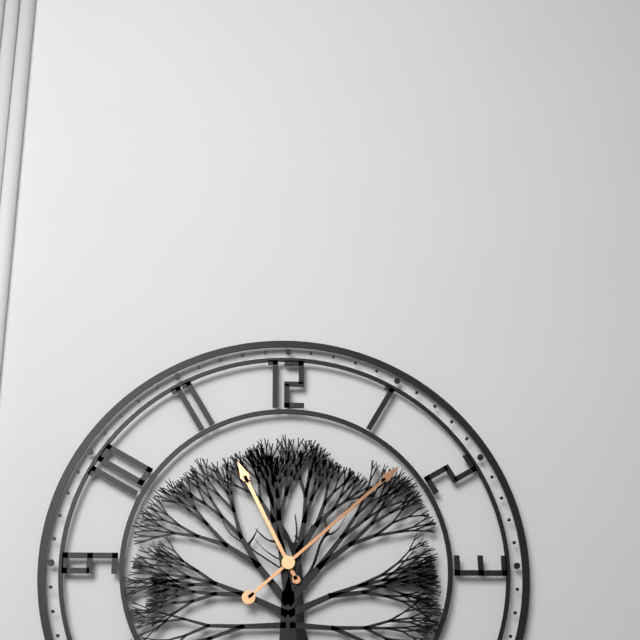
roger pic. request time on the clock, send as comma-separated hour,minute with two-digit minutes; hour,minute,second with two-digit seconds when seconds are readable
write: 11,08
